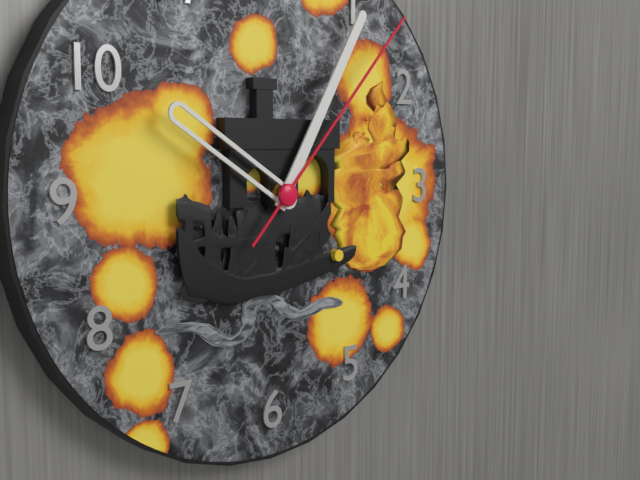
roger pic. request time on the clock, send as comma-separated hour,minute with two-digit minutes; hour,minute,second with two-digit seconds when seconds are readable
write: 10,05,07
